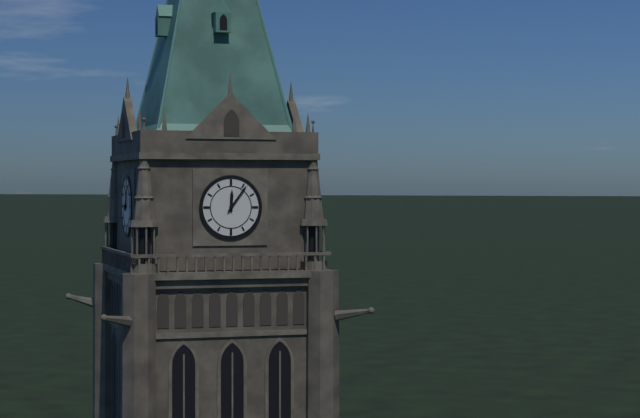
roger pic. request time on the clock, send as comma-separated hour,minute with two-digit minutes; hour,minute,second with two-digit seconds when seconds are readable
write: 12,06
